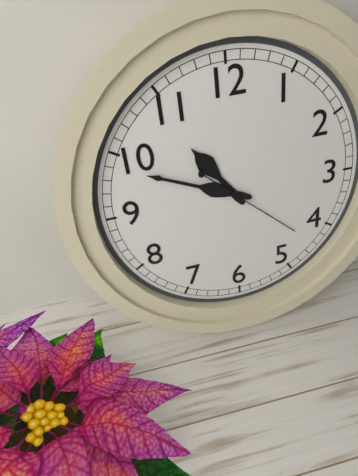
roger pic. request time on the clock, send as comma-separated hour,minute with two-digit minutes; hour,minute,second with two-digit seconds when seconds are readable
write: 10,49,22
